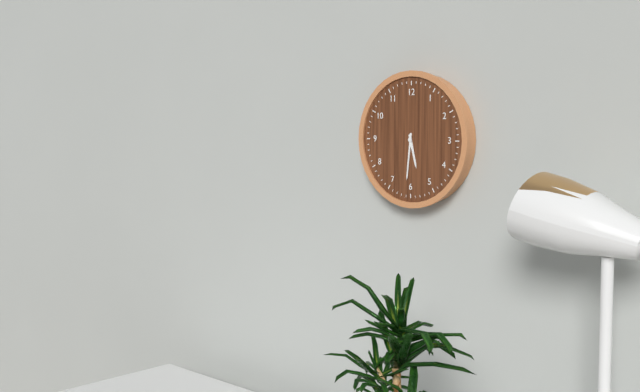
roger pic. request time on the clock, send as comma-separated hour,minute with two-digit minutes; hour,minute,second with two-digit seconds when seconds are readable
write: 5,31
